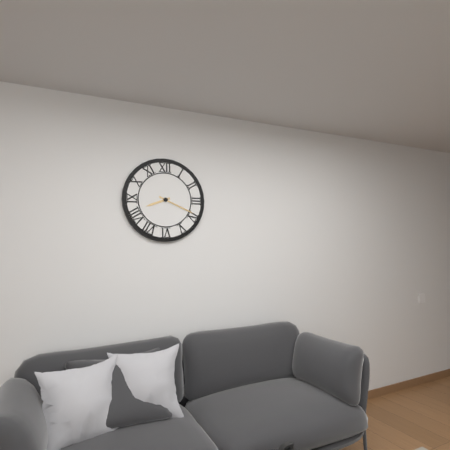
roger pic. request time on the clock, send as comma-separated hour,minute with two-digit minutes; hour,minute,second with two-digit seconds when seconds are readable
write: 8,19
